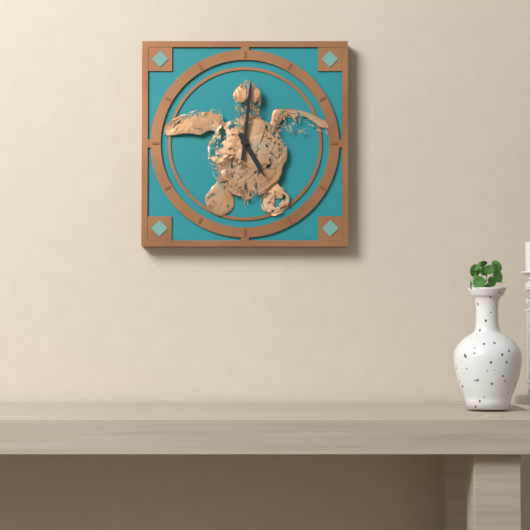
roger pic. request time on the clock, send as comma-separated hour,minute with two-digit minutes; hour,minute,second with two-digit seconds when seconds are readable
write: 5,01
